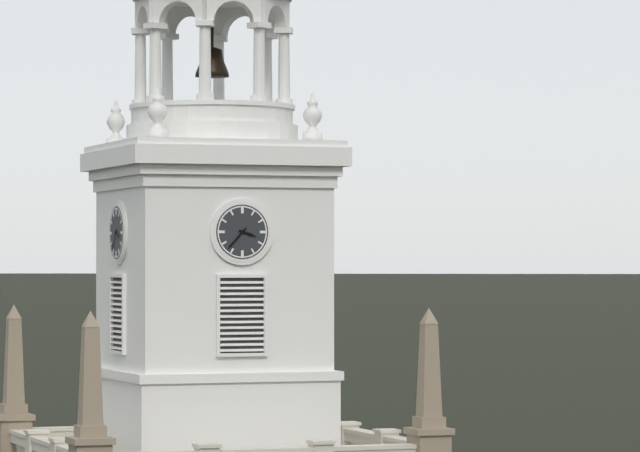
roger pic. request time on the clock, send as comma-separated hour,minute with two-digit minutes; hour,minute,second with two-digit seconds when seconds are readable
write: 3,37
